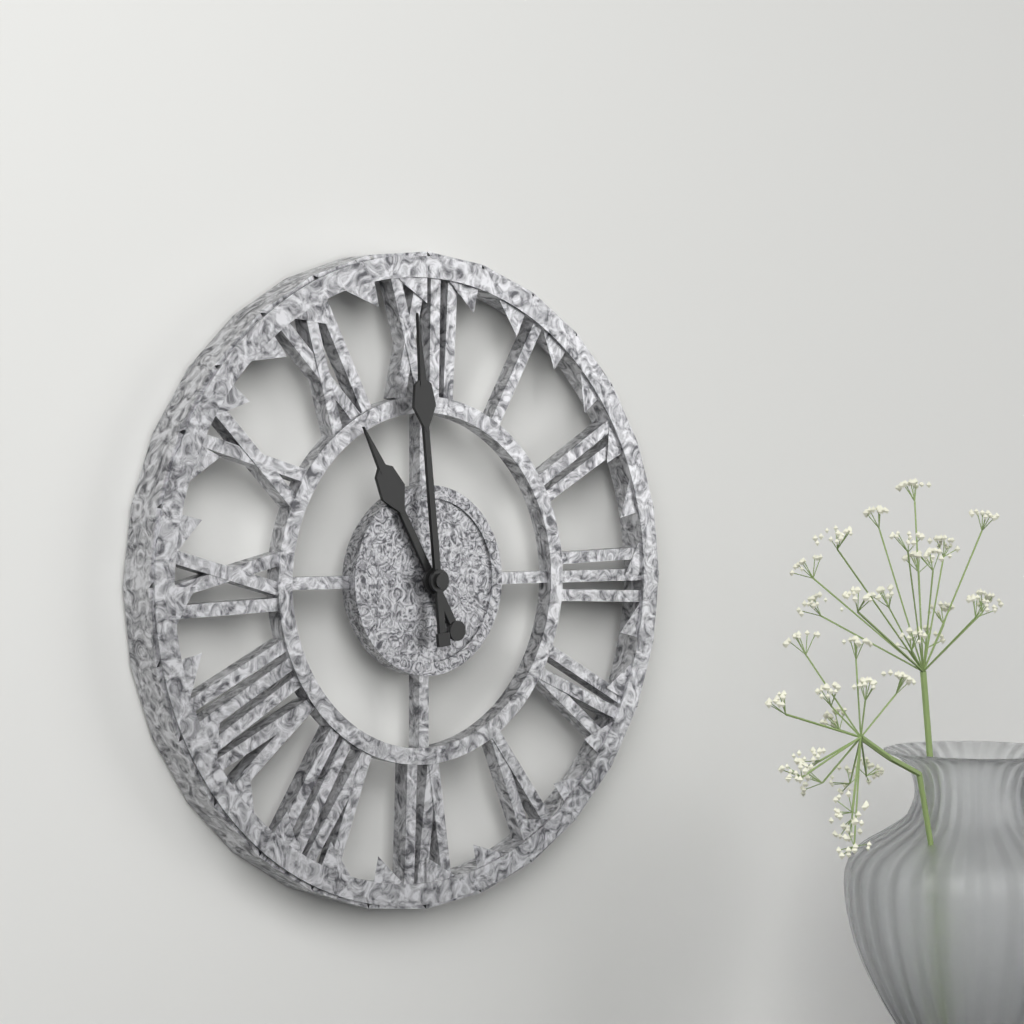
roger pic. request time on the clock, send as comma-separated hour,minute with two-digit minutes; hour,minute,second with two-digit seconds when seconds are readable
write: 10,59
